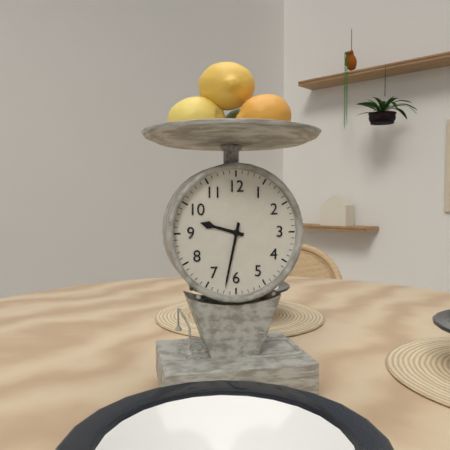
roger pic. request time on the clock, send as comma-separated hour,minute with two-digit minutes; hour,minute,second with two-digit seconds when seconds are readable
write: 9,32
